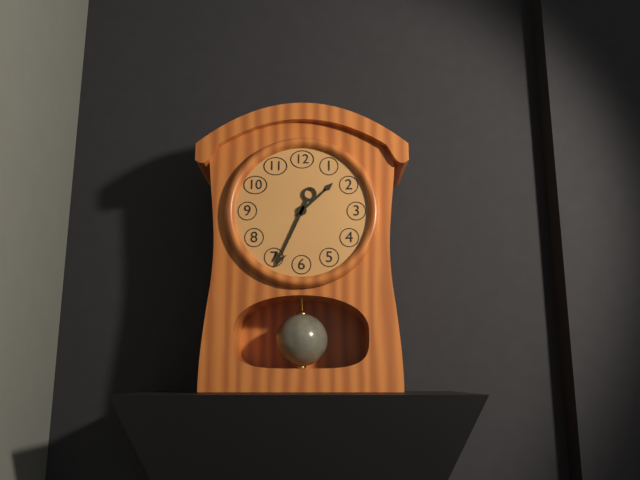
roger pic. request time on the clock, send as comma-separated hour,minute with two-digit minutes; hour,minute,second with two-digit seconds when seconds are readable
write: 1,34
